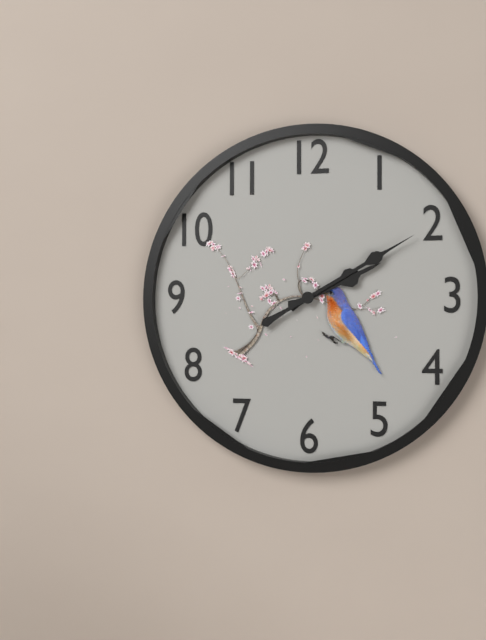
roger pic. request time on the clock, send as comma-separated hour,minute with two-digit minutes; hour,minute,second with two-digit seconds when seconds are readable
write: 2,10
